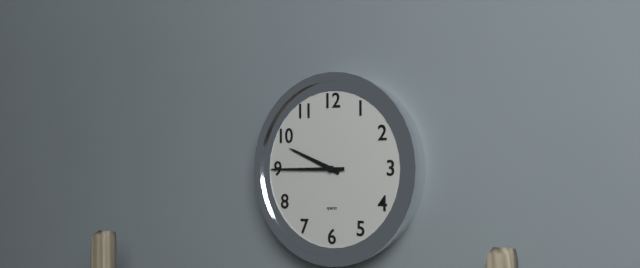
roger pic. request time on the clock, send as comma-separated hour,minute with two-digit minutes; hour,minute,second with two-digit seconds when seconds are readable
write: 9,45
